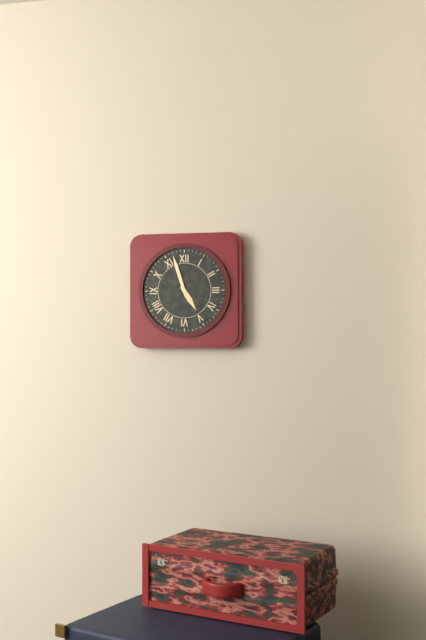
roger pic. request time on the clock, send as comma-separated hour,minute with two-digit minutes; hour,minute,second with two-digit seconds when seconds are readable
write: 4,57
